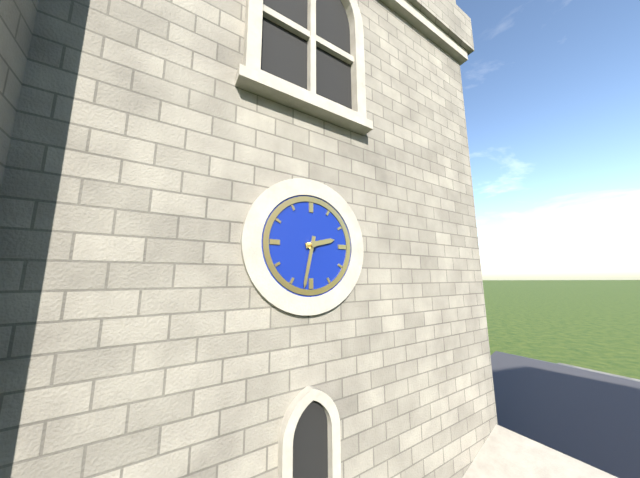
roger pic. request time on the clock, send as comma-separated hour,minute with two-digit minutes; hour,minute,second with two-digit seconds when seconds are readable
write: 2,32
